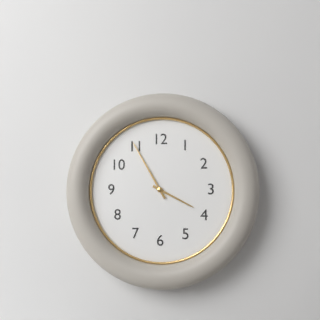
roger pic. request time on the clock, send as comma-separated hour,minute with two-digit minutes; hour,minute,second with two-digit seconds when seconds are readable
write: 3,55
